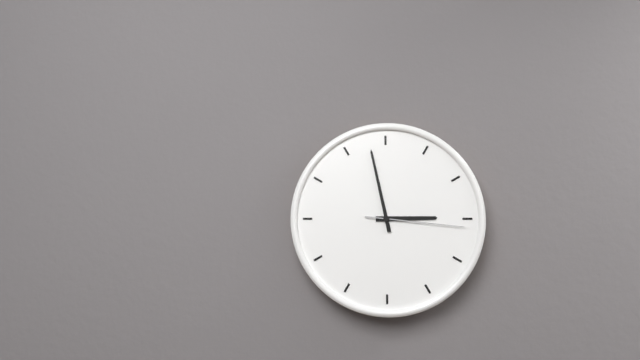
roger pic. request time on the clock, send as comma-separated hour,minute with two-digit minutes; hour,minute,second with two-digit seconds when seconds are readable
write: 2,58,16
